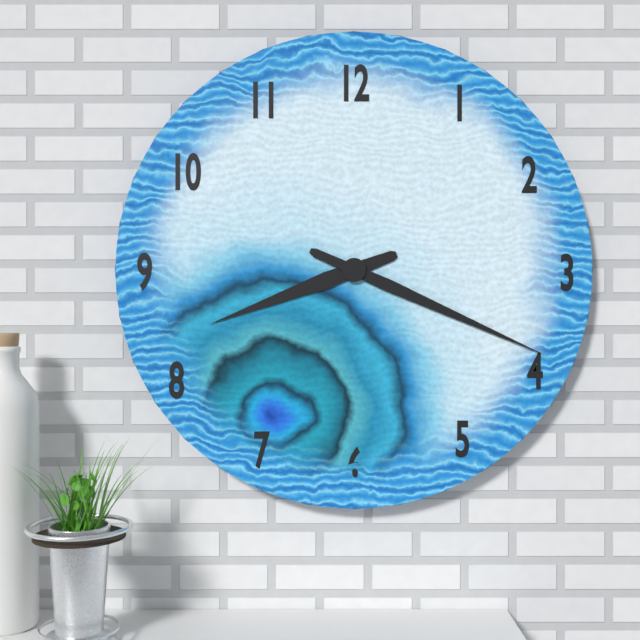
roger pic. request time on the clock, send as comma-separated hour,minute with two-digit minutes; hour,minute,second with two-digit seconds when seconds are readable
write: 8,19
